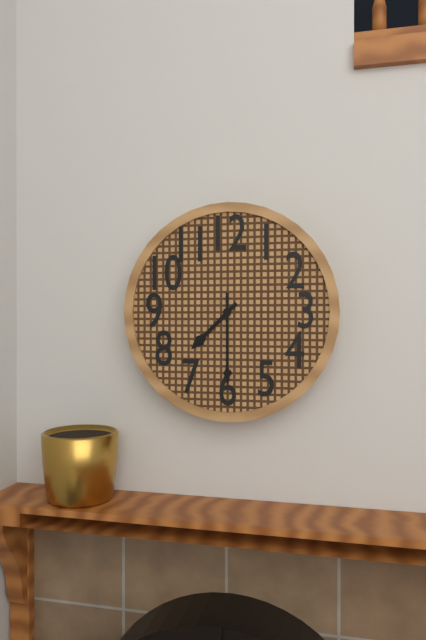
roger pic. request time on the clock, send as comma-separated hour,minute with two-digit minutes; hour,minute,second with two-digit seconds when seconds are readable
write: 7,30
